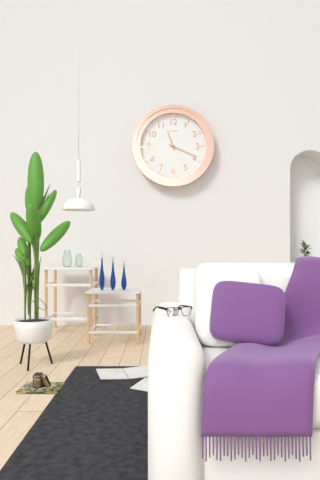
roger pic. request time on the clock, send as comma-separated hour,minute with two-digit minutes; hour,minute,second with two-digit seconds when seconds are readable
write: 11,19
